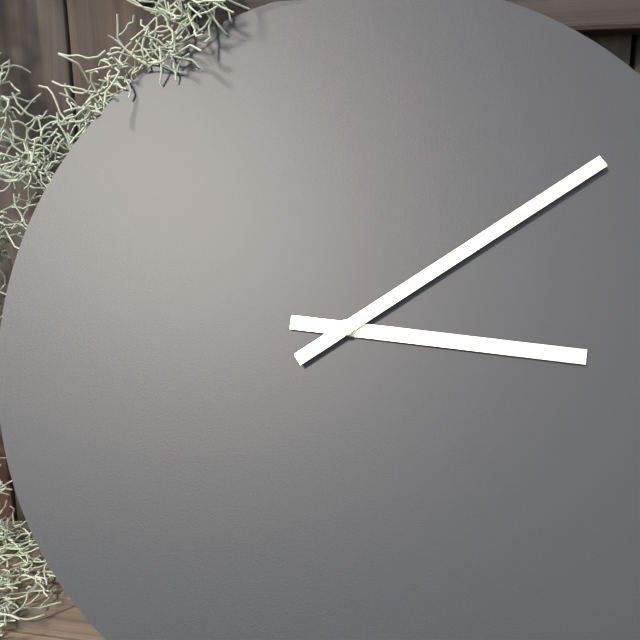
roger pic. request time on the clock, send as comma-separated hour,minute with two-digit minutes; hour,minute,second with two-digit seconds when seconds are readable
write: 3,09
